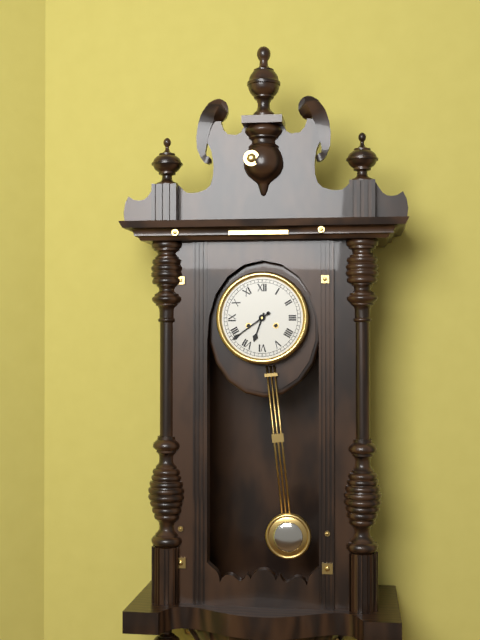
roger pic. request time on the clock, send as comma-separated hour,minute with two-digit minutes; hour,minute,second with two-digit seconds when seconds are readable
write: 6,39
